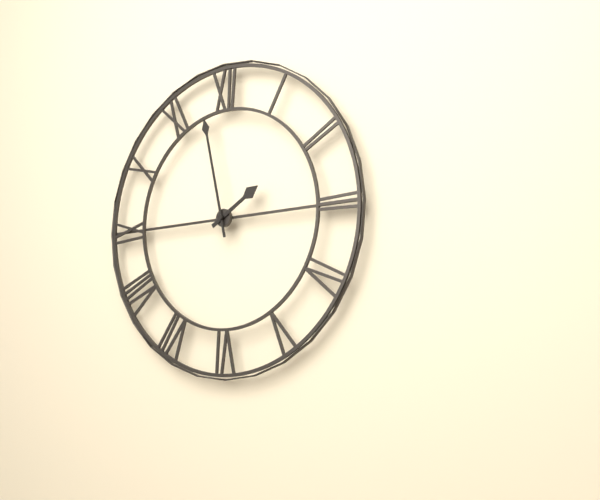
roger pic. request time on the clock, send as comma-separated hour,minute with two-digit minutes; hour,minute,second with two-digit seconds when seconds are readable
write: 1,58
